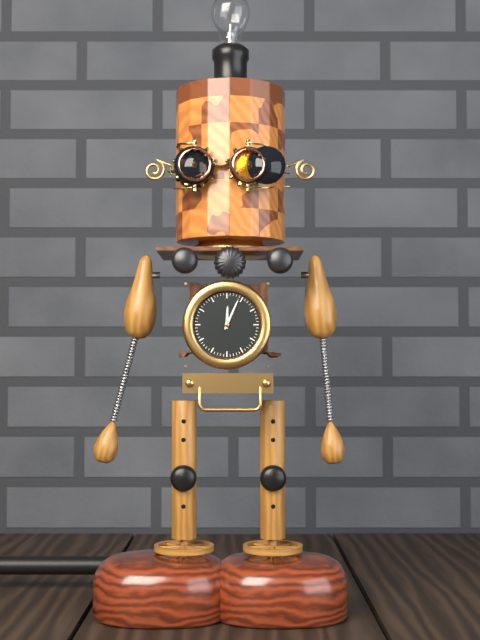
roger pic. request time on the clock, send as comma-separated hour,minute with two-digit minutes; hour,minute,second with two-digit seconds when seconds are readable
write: 12,04
